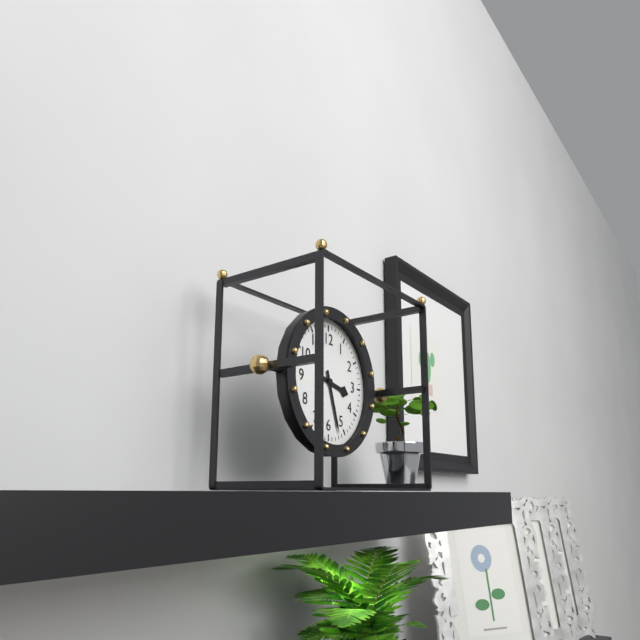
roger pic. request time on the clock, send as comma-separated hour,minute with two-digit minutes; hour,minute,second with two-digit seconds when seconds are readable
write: 3,27
